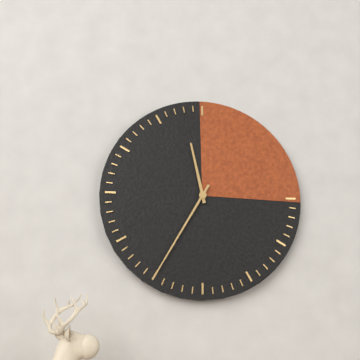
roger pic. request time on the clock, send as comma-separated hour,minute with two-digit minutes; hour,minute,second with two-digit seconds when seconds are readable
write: 11,35
